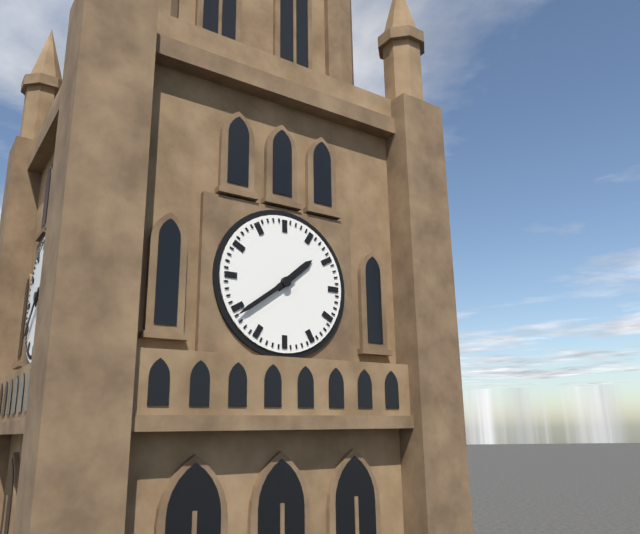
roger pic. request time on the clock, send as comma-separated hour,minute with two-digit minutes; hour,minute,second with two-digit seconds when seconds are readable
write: 1,39
